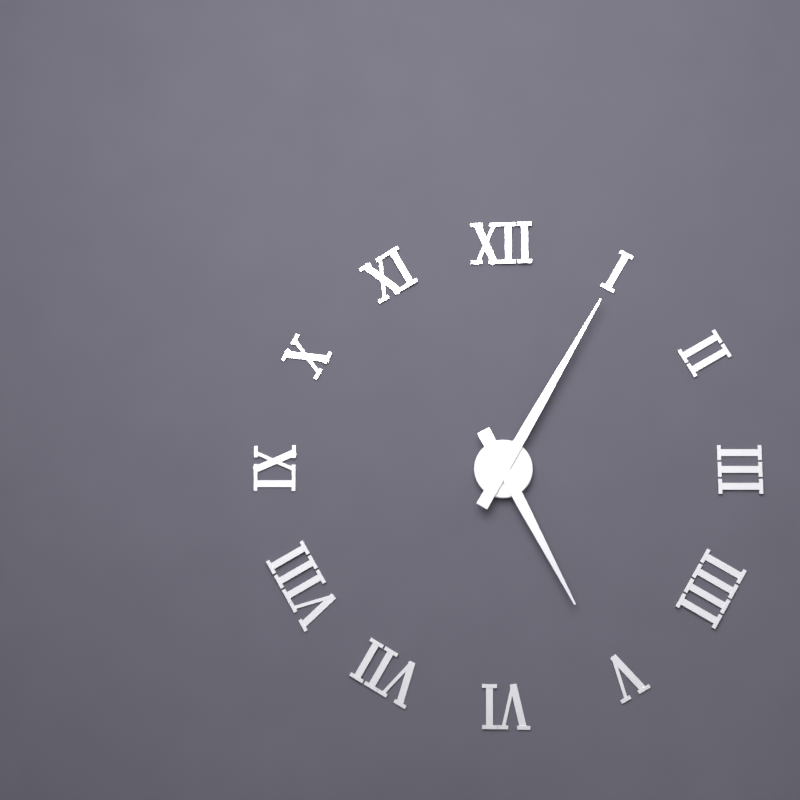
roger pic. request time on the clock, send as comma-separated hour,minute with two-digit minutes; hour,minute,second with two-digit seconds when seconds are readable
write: 5,05
